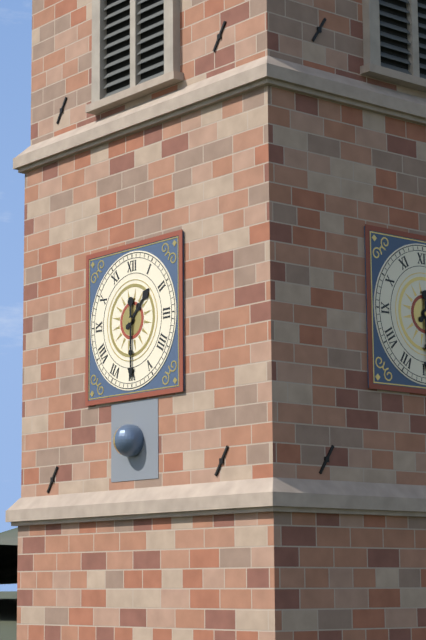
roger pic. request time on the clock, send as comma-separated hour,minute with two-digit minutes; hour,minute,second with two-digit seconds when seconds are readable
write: 1,30
